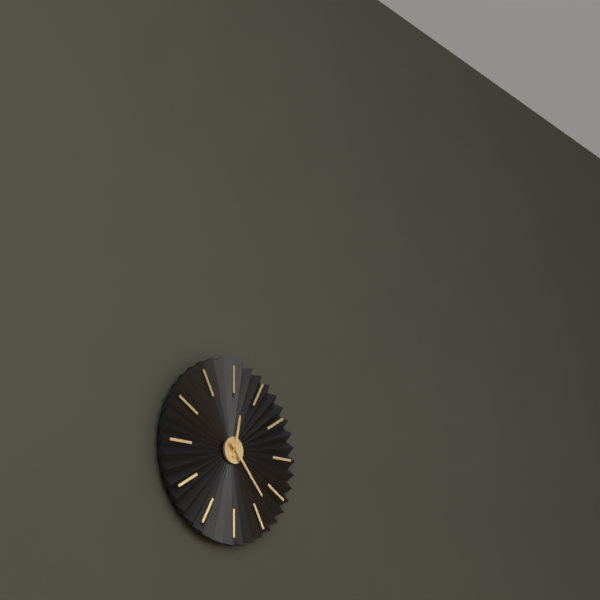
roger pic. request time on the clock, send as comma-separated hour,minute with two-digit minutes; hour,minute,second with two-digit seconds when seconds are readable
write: 12,23
